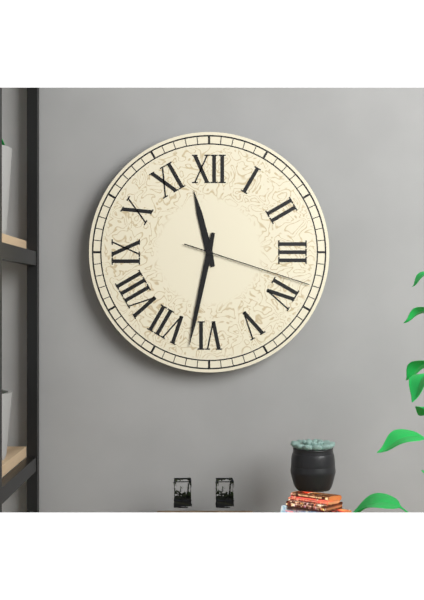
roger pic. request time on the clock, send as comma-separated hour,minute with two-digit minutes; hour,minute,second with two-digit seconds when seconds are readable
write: 11,32,18
